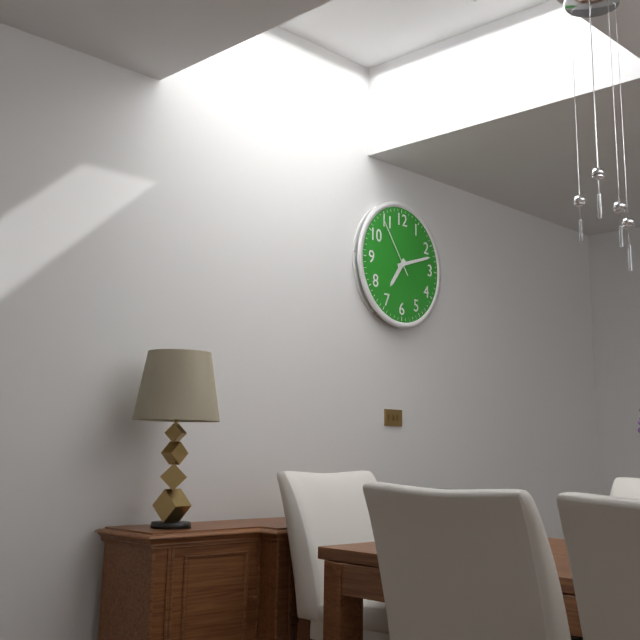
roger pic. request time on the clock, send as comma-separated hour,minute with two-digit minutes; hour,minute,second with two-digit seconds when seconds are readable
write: 7,12,54
